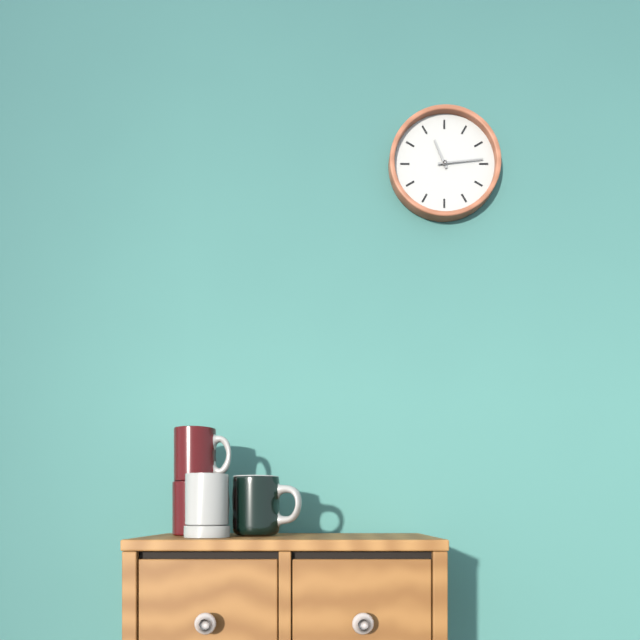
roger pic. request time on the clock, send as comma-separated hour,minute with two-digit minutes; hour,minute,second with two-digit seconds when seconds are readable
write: 11,14
